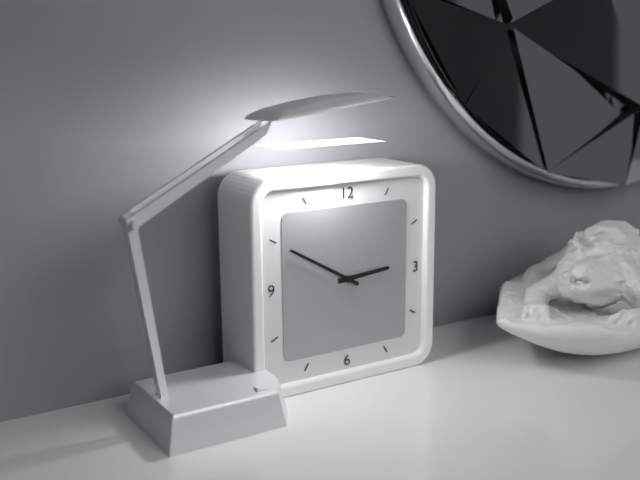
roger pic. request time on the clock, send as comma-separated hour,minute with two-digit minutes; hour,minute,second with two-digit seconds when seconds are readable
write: 2,50
